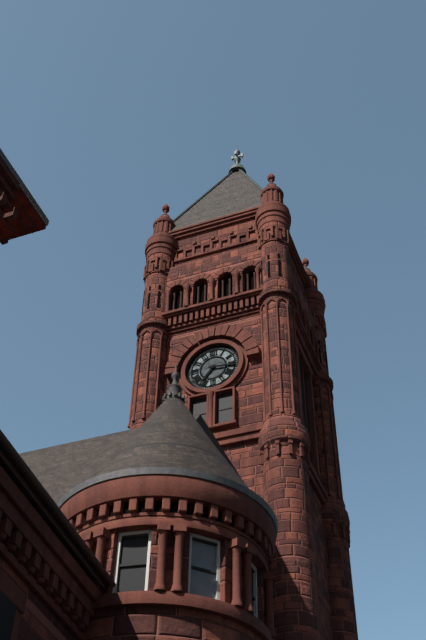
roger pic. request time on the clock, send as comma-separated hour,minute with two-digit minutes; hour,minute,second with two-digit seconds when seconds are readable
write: 7,16
